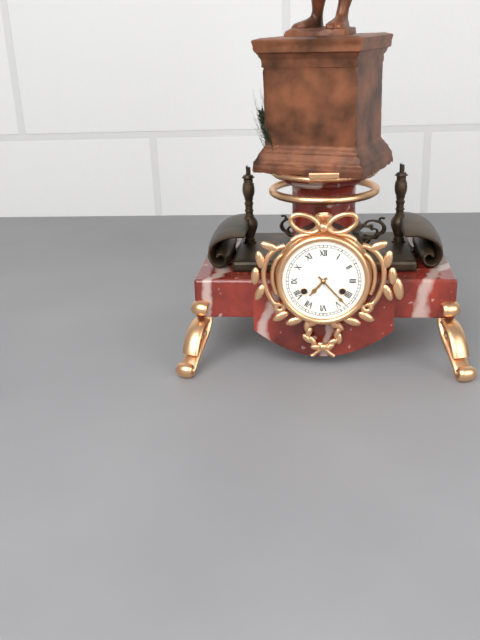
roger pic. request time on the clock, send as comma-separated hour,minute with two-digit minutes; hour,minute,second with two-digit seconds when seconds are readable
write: 7,23
